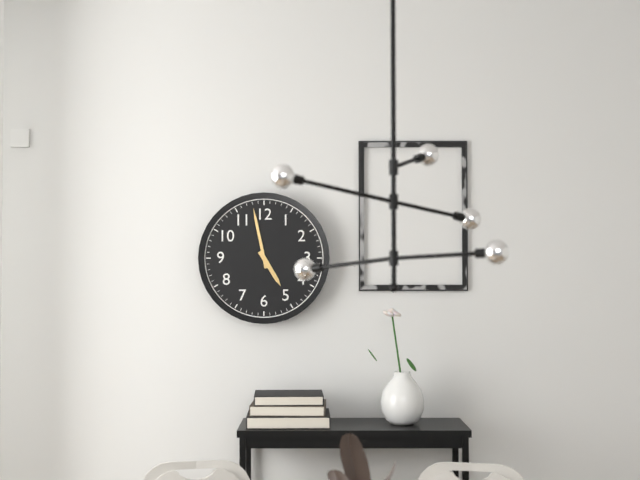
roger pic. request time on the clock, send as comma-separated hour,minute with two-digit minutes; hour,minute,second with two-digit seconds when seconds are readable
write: 4,58
